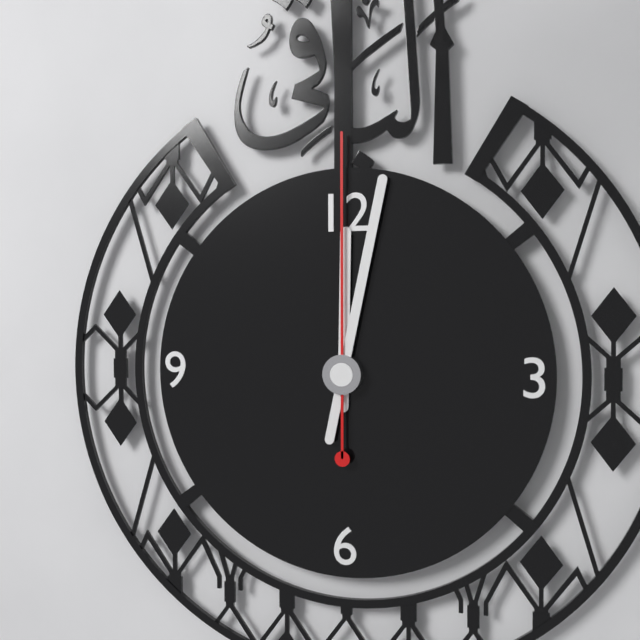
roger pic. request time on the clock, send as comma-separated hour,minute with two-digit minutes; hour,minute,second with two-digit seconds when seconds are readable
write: 12,02,00
